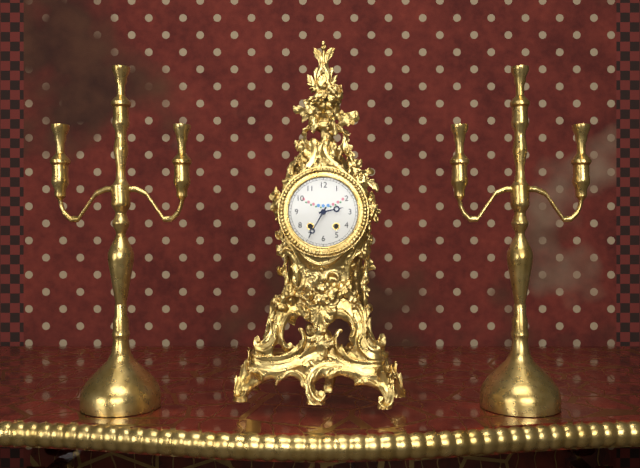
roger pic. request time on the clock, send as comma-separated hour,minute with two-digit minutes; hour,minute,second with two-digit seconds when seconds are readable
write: 2,35
